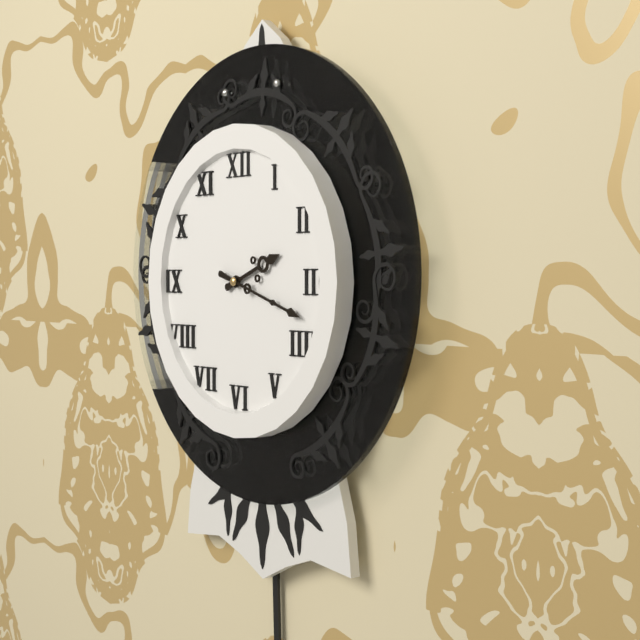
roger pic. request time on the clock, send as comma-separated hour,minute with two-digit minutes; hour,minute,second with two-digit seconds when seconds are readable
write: 2,18
